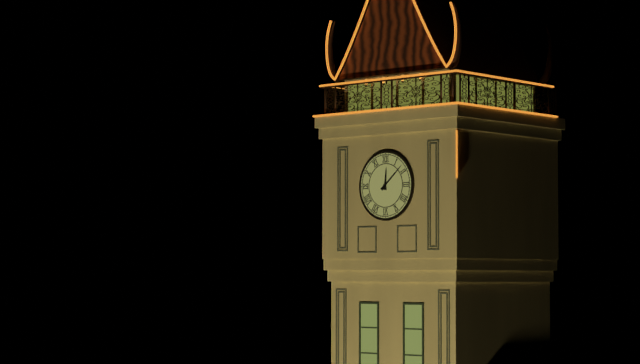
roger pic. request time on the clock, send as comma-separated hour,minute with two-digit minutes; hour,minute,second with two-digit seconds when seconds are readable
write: 12,08
